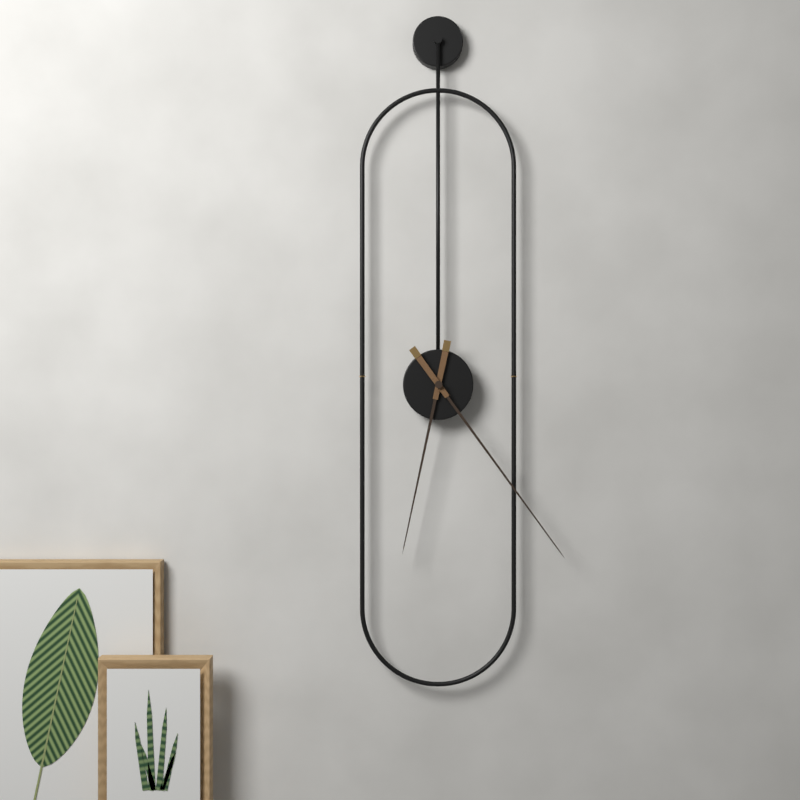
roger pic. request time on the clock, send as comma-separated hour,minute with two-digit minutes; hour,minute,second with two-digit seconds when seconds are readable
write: 6,24
